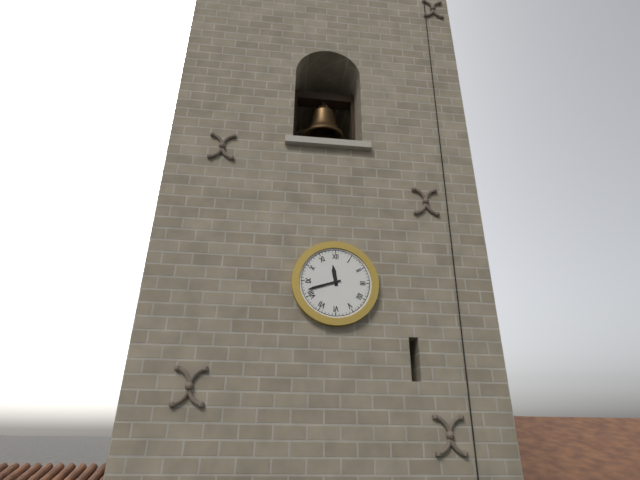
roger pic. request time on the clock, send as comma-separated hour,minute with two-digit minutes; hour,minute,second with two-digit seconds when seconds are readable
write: 11,42
